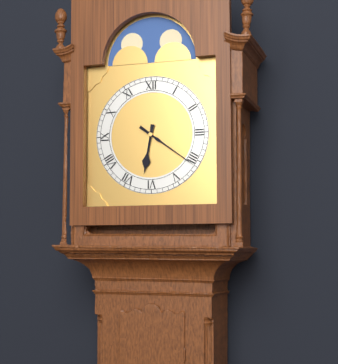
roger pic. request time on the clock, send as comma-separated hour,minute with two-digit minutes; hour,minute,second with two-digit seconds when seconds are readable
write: 6,21
